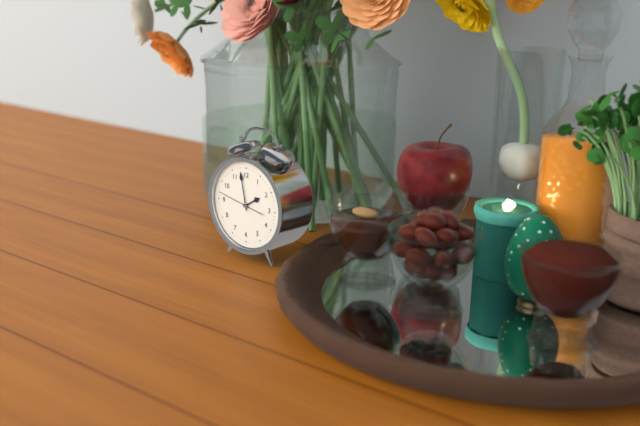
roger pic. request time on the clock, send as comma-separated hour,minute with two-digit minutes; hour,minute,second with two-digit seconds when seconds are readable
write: 1,58
